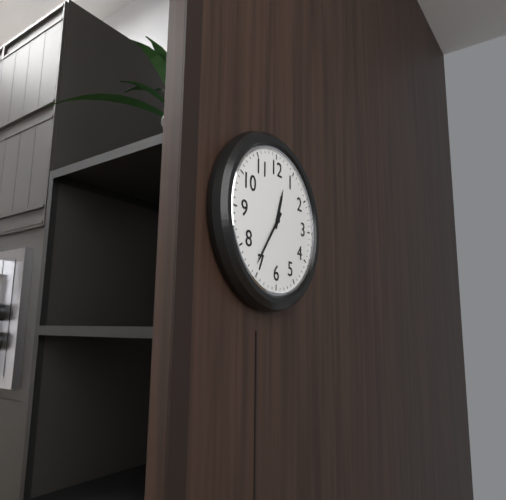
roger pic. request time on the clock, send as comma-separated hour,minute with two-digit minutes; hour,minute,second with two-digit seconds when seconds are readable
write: 12,36
